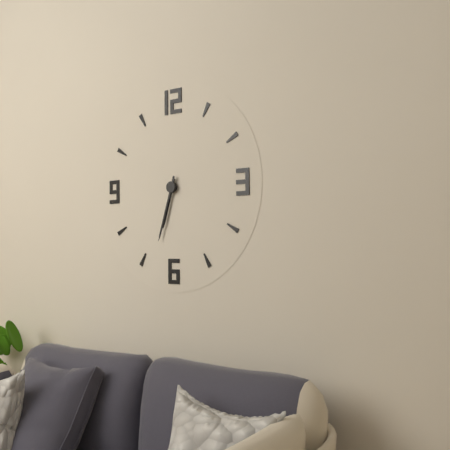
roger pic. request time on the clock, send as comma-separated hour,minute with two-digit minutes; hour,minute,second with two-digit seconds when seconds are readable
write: 6,33
